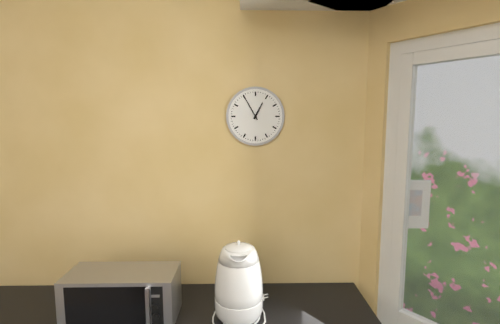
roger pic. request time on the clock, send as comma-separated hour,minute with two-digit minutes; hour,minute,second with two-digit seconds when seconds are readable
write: 12,55
